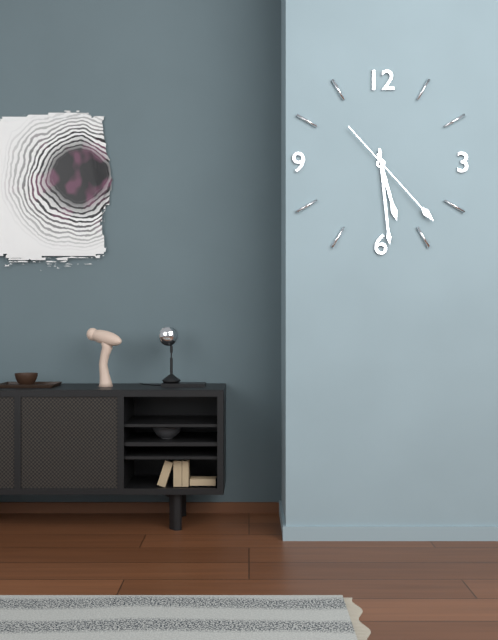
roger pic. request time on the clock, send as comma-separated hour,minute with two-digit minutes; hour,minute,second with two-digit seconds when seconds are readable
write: 5,29,23
